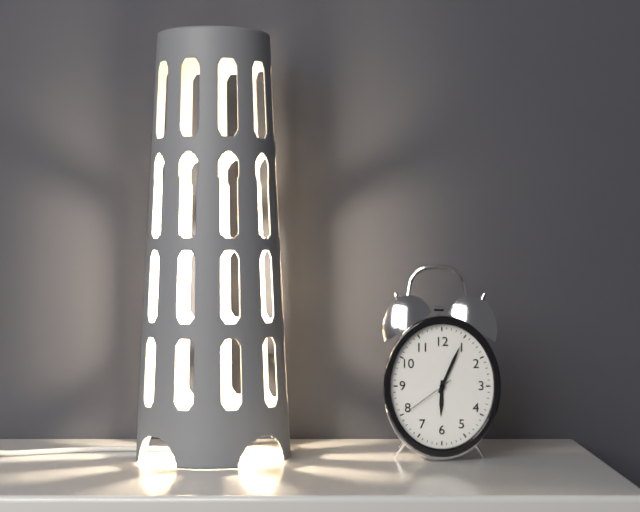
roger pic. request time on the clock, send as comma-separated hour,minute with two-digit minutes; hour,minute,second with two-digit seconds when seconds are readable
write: 6,04,39
